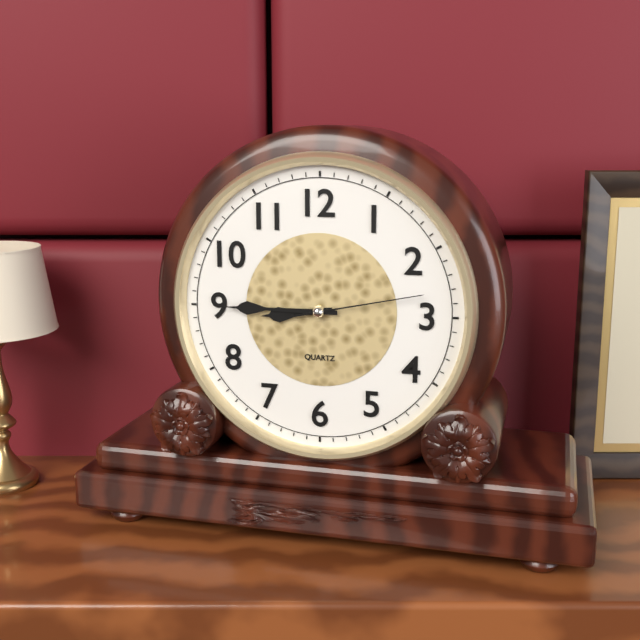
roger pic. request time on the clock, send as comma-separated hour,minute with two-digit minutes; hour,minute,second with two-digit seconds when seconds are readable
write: 8,45,13
